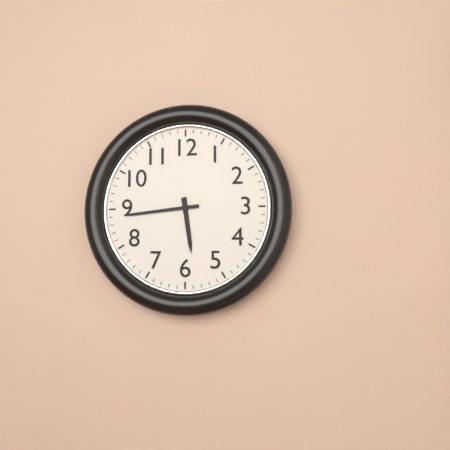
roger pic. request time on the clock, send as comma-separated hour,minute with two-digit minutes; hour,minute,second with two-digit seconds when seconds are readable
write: 5,44
